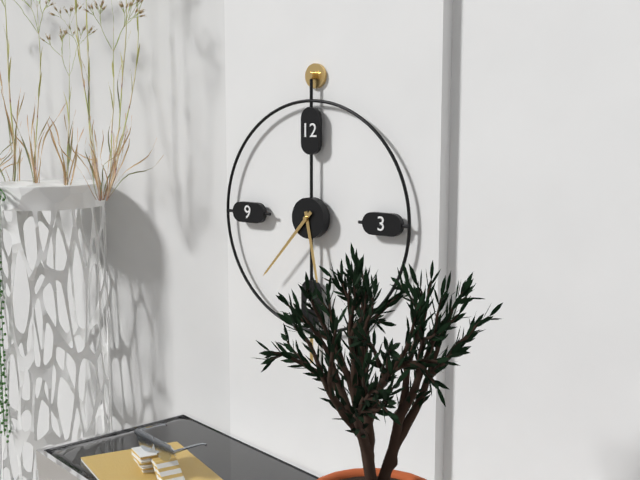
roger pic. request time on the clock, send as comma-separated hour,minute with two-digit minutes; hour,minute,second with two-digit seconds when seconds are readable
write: 5,37
